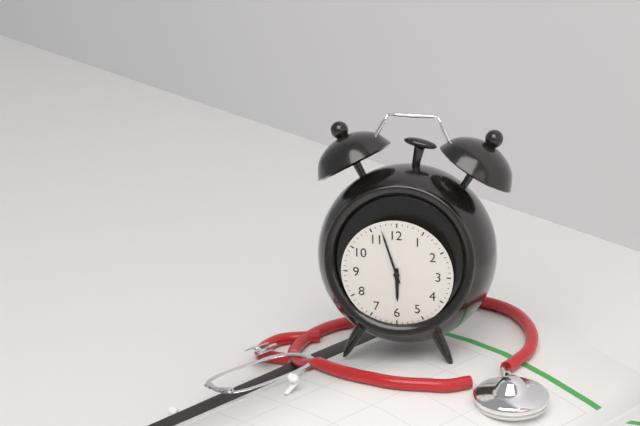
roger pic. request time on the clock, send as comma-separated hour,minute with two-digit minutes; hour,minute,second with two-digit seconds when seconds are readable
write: 5,57
